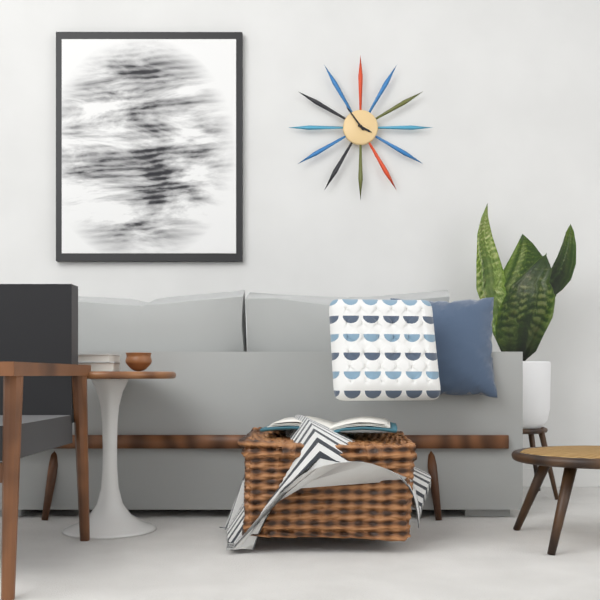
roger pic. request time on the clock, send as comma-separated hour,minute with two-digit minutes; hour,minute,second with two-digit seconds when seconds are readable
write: 3,54
